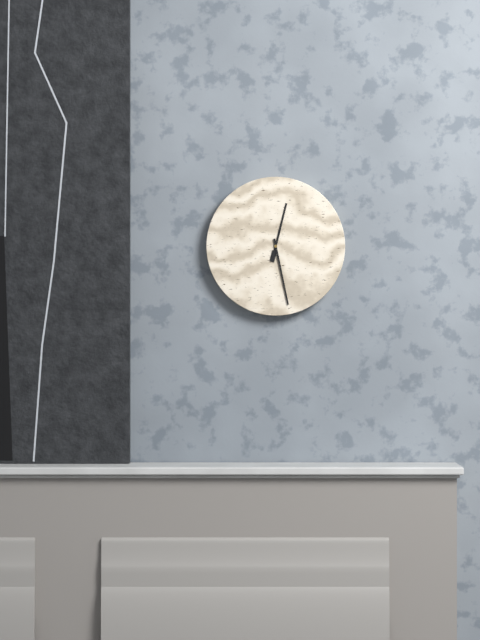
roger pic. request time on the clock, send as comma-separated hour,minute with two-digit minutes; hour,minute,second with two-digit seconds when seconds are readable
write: 12,28
